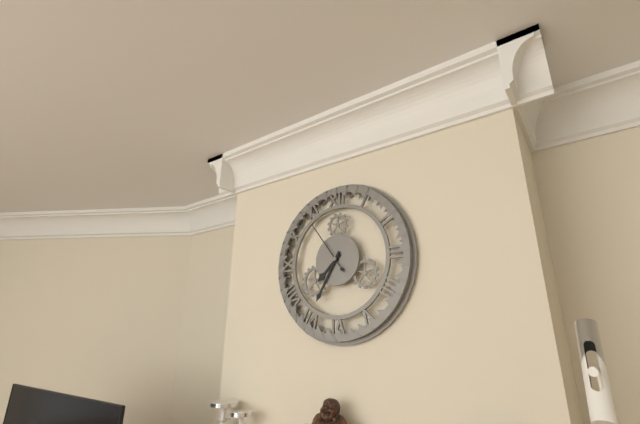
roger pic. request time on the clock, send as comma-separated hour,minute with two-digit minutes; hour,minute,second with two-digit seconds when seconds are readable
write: 7,35,54
